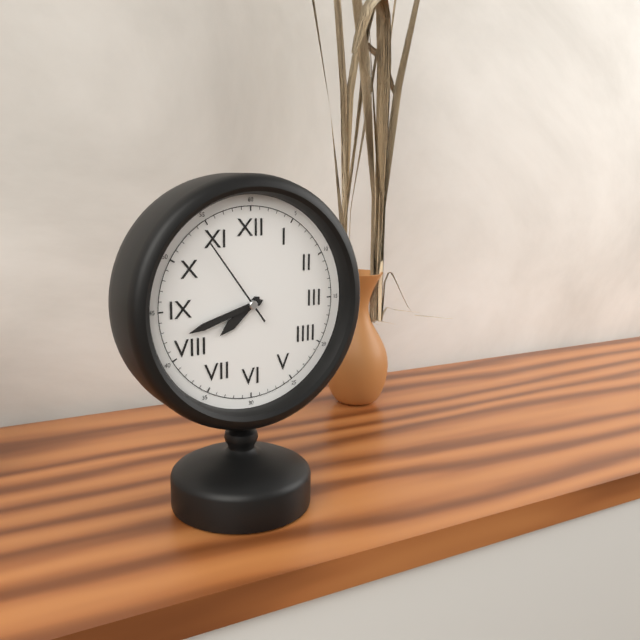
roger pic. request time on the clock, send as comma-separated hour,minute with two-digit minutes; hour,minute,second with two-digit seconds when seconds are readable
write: 7,42,54
